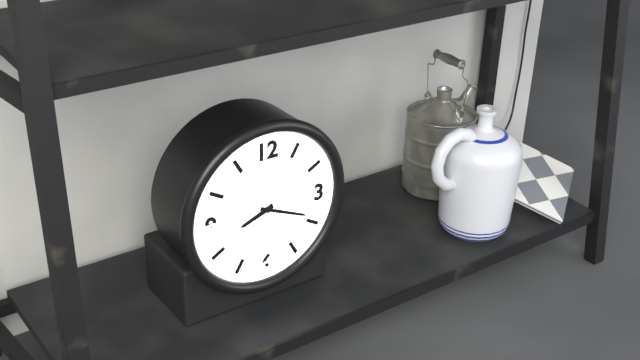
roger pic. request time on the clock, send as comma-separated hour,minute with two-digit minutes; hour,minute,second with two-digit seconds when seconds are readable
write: 8,19
